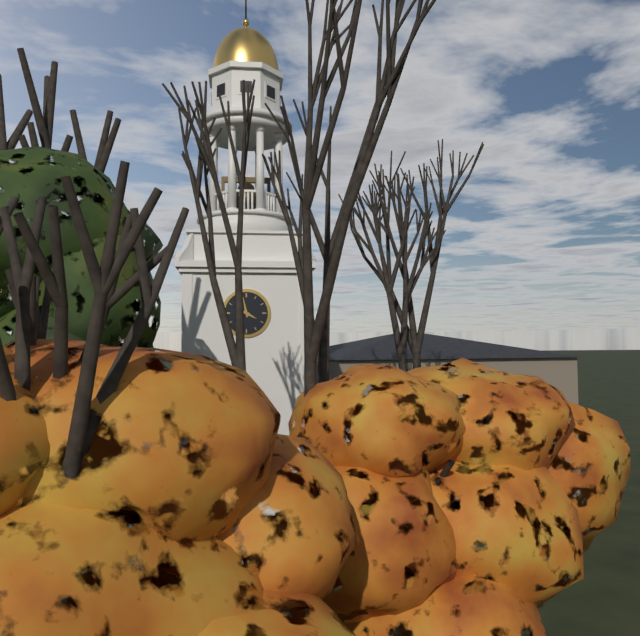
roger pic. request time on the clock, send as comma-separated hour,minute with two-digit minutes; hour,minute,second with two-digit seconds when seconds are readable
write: 3,58
